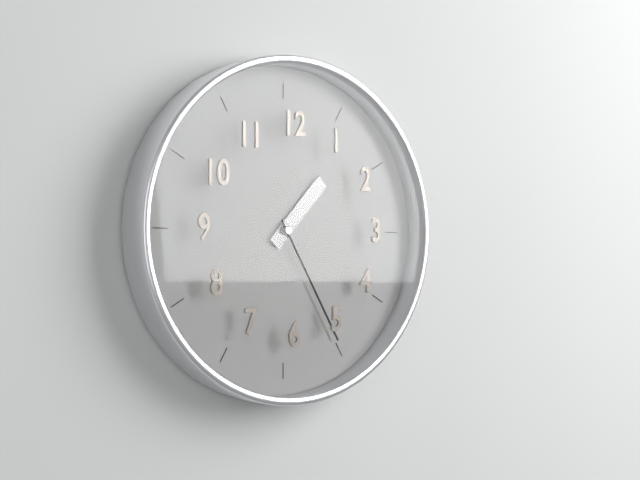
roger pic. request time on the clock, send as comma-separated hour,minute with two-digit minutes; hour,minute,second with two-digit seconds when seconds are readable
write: 1,25
